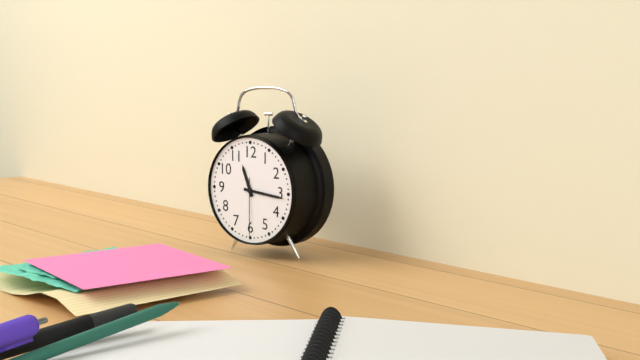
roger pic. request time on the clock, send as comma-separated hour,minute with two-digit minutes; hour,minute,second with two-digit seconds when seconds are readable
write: 11,16,30
